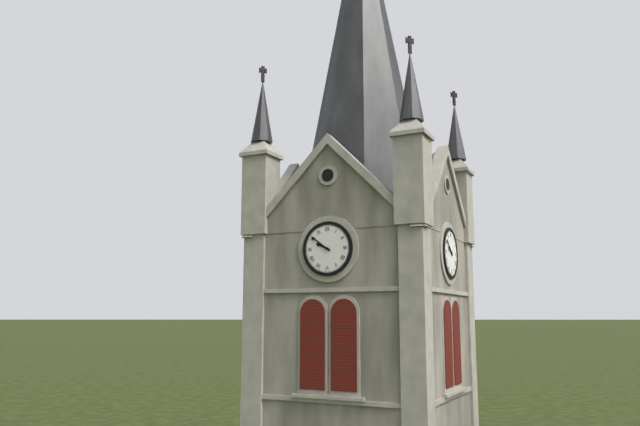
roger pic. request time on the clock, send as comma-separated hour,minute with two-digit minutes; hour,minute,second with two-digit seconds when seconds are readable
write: 9,51
